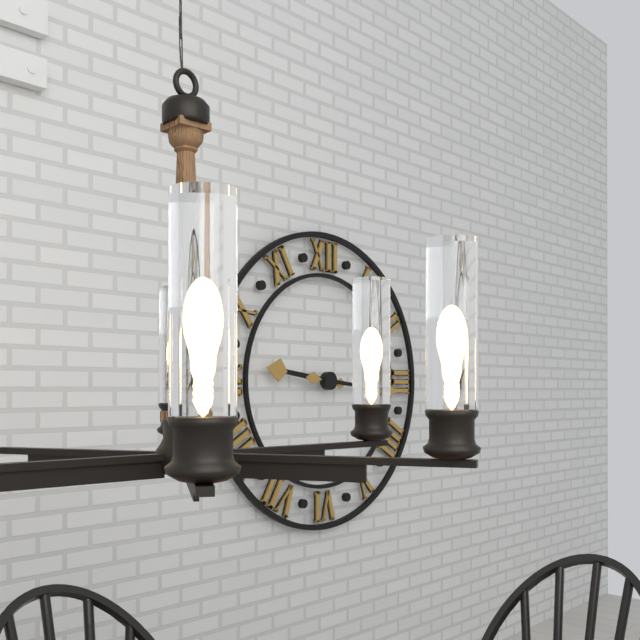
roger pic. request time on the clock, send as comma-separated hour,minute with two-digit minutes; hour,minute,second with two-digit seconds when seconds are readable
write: 9,16
